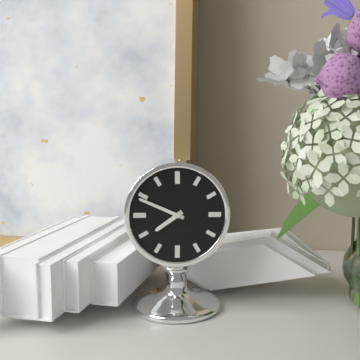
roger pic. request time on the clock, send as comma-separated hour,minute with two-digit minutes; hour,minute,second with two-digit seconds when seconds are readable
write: 7,49
